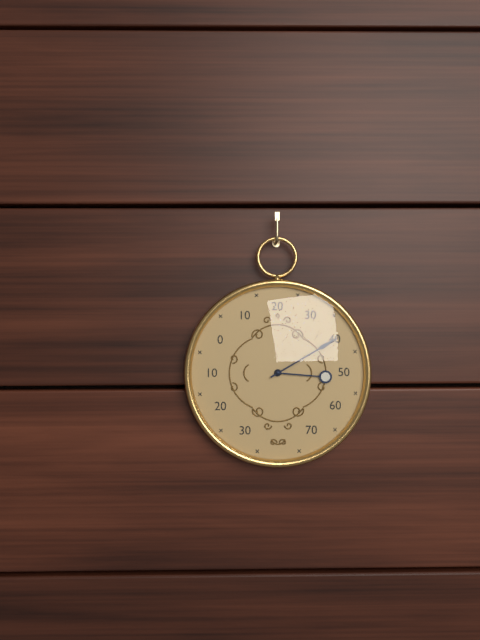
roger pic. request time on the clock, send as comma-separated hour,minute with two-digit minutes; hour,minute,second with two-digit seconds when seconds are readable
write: 3,10
